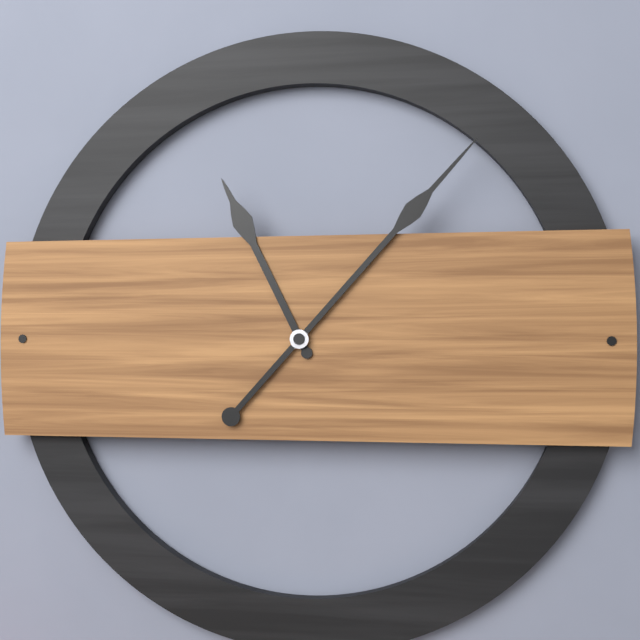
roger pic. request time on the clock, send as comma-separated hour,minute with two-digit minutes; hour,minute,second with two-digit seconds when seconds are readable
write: 11,07
